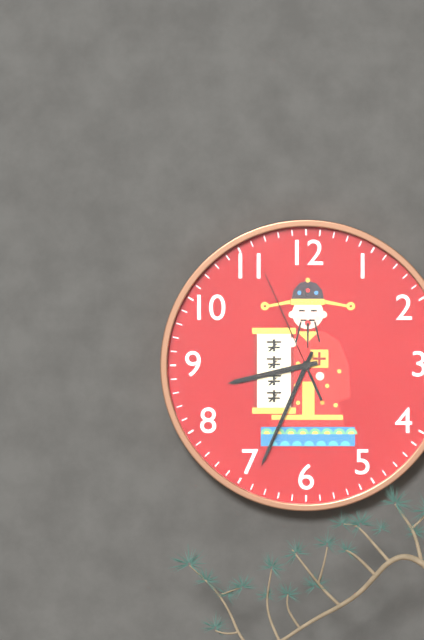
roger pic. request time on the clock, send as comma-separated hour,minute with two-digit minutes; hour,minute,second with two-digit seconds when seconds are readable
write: 8,34,56
